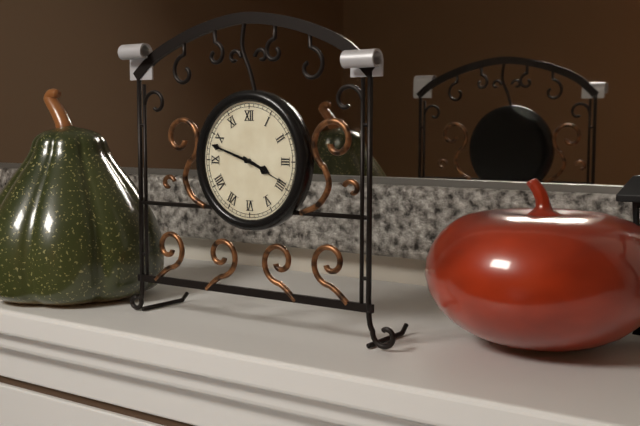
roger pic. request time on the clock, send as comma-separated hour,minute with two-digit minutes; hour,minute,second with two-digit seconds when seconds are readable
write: 3,48
